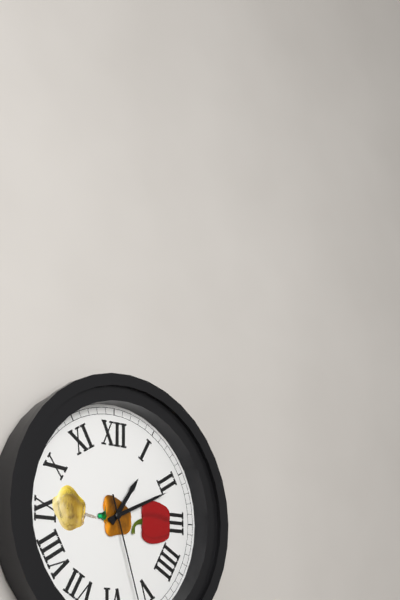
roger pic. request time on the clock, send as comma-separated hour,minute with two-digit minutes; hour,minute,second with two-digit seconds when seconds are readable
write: 1,11,27
